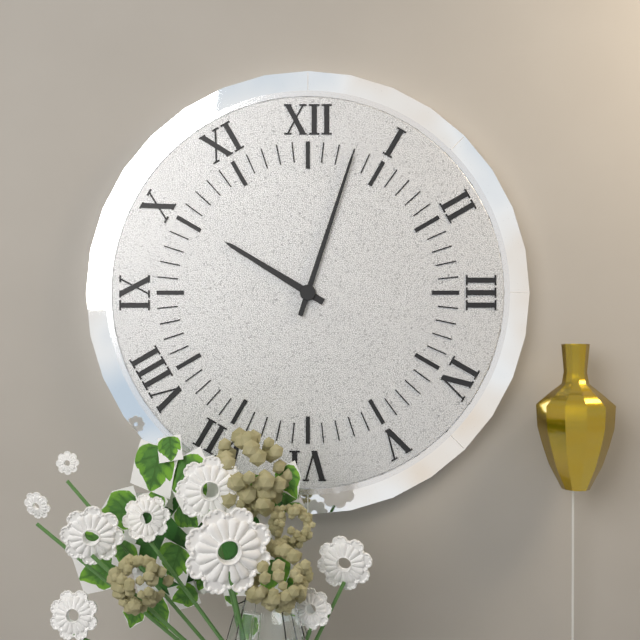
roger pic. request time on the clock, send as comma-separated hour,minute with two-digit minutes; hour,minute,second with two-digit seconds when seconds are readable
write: 10,03
